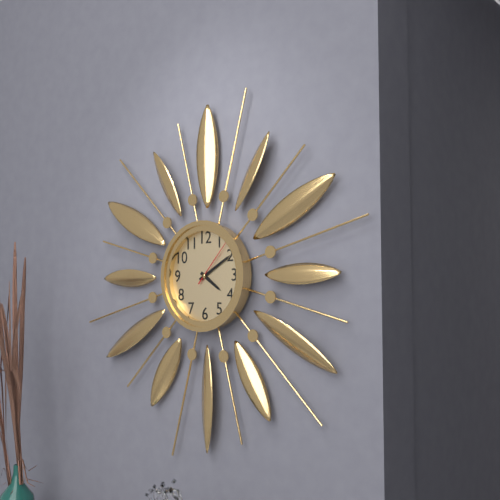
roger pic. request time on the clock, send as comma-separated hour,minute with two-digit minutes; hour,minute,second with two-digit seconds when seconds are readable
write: 4,10,07
